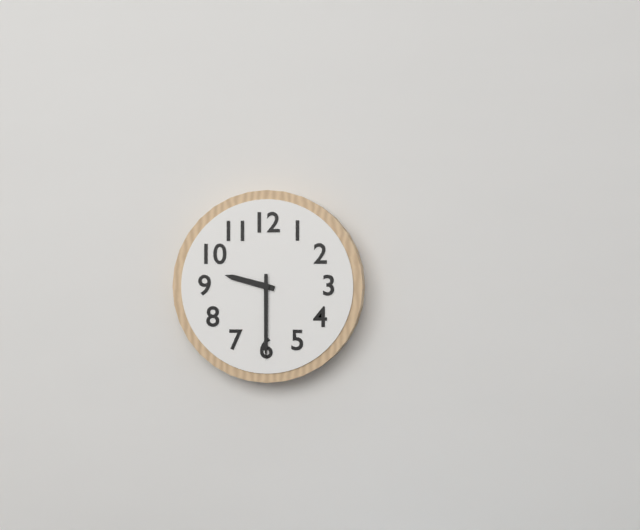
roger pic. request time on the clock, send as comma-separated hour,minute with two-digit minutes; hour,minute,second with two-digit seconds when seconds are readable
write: 9,30
